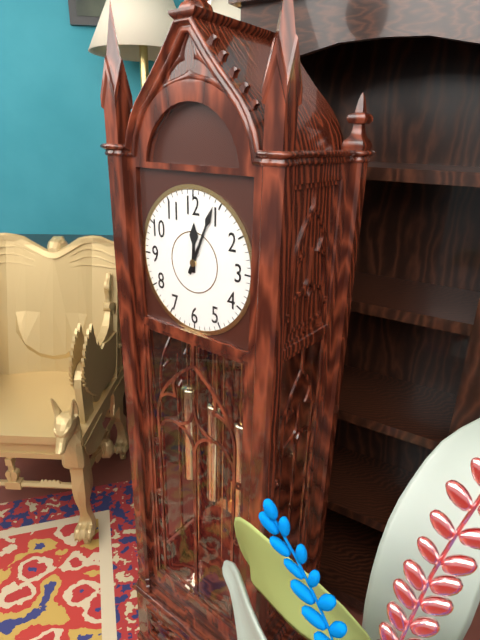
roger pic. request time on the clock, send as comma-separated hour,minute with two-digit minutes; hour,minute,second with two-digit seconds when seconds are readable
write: 12,04
